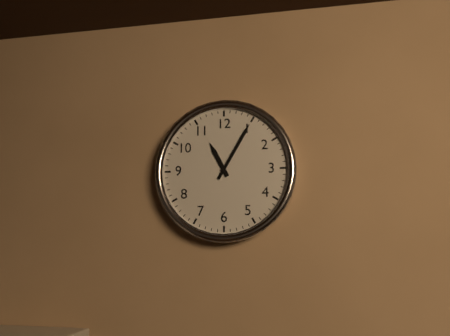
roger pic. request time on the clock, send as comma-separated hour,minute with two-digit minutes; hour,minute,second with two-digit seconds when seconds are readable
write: 11,05
